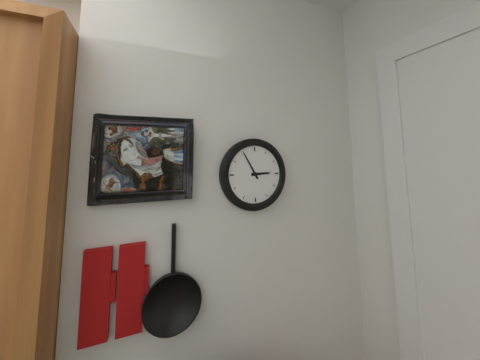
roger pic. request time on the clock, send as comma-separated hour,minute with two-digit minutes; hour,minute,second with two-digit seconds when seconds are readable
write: 2,55
